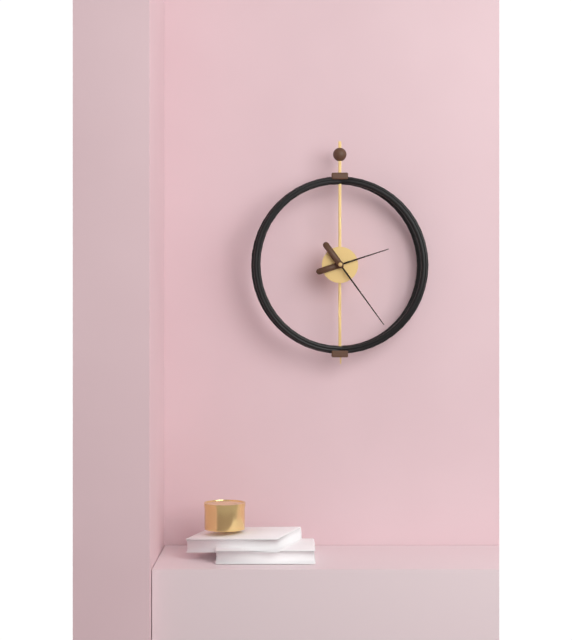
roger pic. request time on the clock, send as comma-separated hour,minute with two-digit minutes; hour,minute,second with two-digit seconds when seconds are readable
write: 2,24
